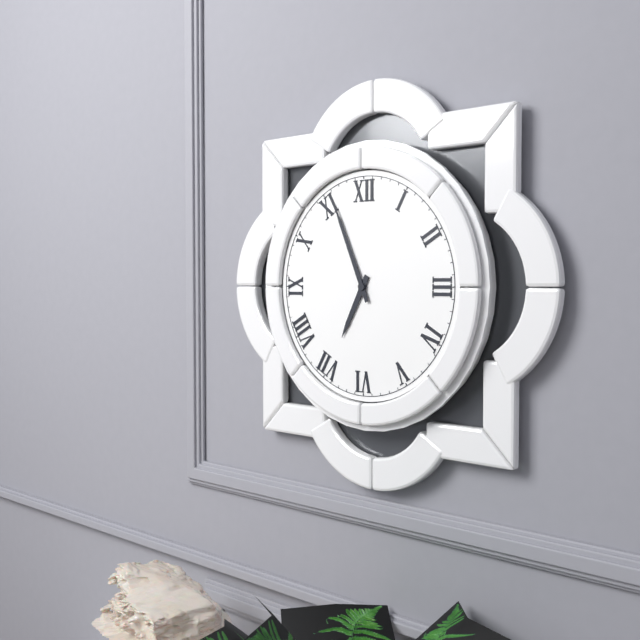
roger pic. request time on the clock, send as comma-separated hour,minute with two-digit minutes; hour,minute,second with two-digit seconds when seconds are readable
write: 6,56
